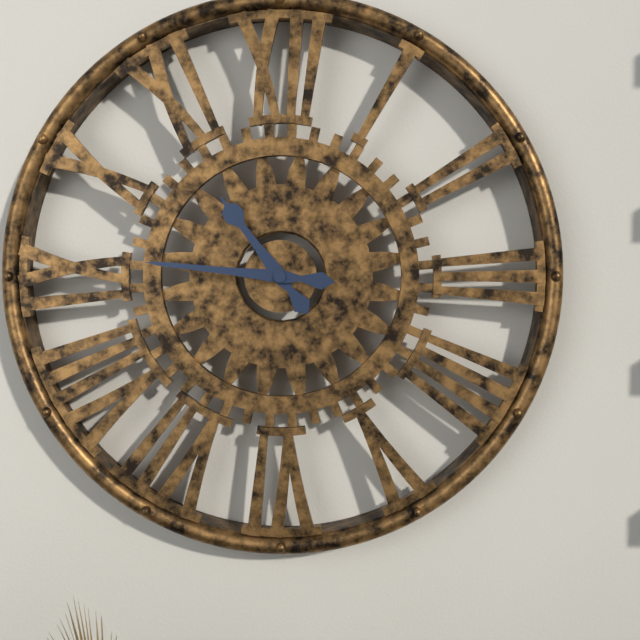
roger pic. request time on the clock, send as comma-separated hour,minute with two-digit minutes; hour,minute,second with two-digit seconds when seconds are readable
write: 10,46
